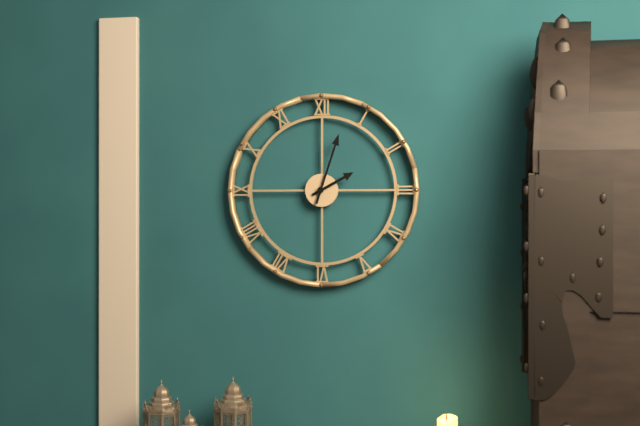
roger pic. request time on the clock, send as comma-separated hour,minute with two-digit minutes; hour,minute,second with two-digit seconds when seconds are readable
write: 2,03
